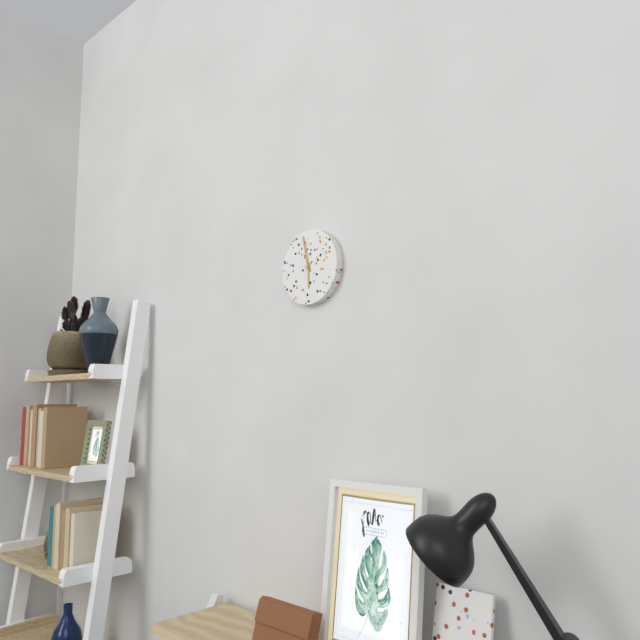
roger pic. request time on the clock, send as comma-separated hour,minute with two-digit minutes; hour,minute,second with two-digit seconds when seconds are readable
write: 5,58
